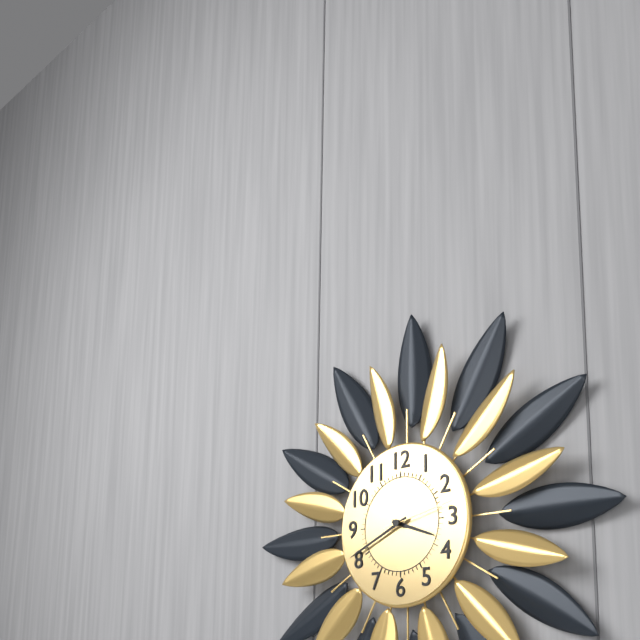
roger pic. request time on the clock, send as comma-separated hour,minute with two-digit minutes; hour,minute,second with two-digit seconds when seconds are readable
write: 3,41,13
